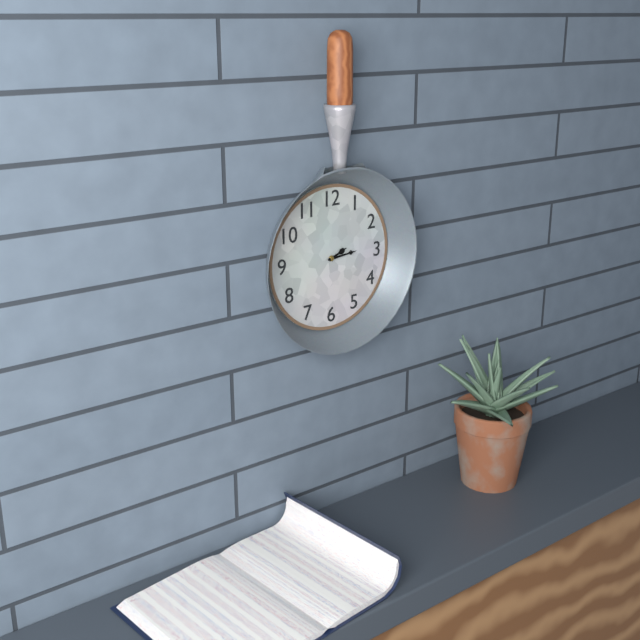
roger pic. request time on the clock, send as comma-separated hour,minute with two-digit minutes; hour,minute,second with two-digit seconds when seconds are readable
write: 2,14
